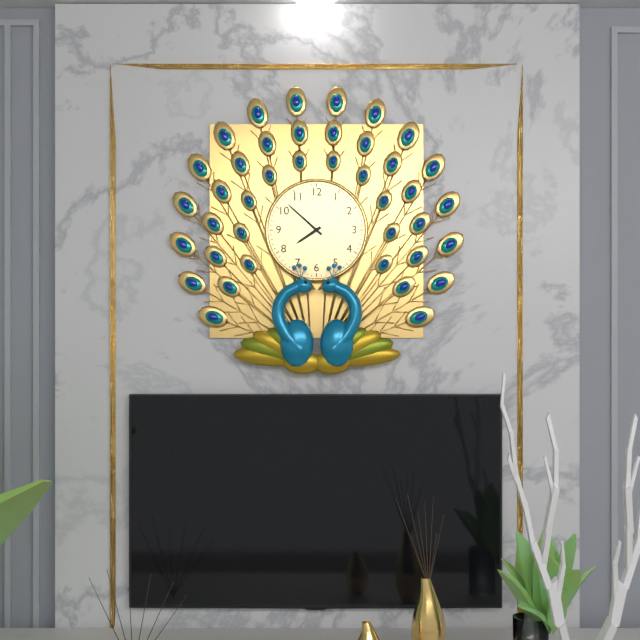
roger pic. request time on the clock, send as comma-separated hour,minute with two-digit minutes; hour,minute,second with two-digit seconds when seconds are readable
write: 7,52
